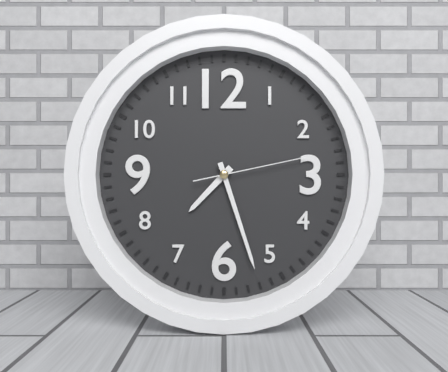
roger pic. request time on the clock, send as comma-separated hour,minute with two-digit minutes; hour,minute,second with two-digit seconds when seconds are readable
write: 7,27,13
